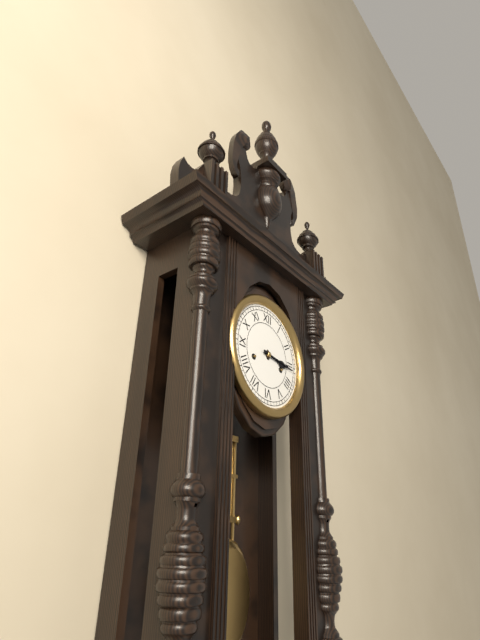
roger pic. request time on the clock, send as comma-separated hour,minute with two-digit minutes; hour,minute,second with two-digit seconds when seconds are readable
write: 3,16
